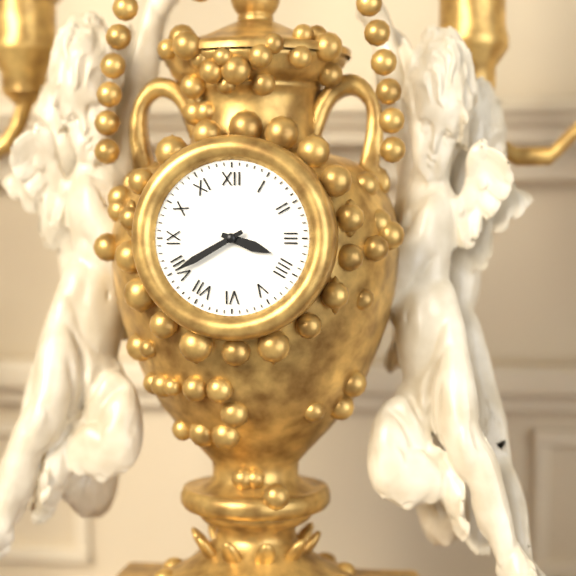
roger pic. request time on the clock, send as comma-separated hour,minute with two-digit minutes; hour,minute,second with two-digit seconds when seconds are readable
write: 3,40
